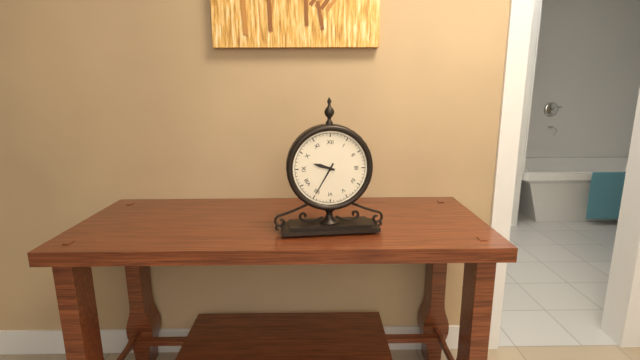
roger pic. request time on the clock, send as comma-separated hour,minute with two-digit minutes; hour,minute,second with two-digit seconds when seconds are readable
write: 9,35
